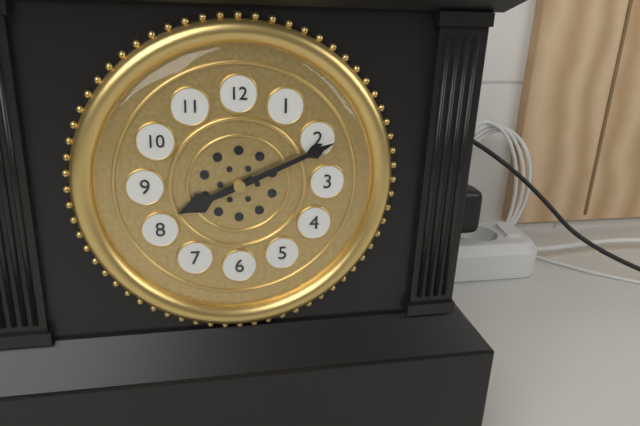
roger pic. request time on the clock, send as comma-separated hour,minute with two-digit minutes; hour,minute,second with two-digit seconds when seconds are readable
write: 8,11
